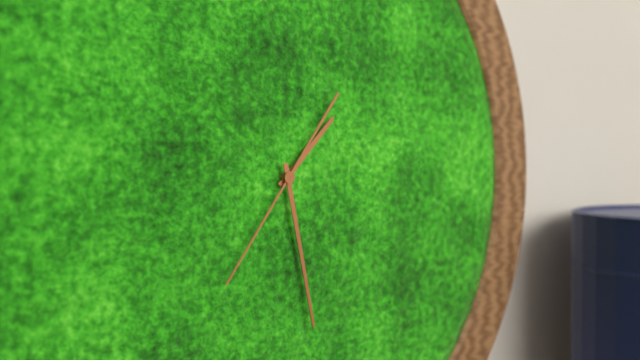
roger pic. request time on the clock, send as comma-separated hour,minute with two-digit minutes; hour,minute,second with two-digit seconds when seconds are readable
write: 1,28,36
